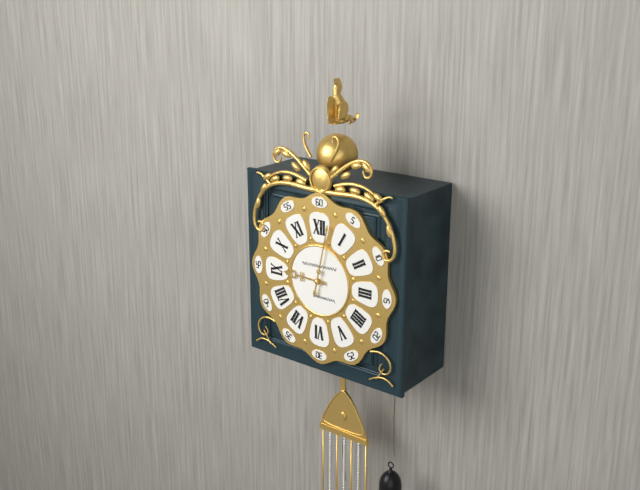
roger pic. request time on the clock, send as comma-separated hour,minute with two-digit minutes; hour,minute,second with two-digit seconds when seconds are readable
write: 9,02
